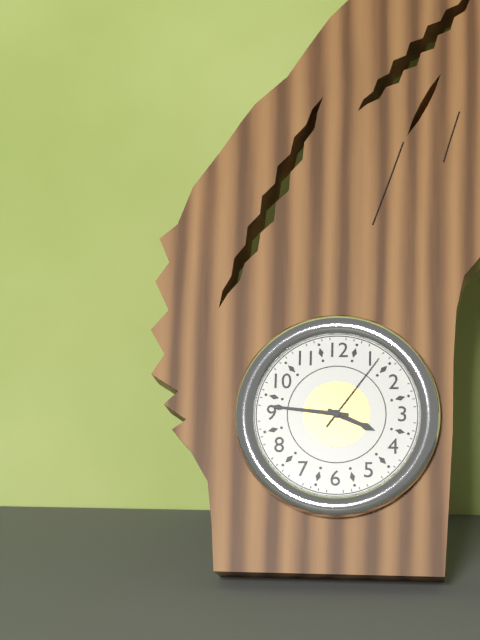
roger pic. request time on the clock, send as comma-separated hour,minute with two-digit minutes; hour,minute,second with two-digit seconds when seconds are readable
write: 3,46,06
